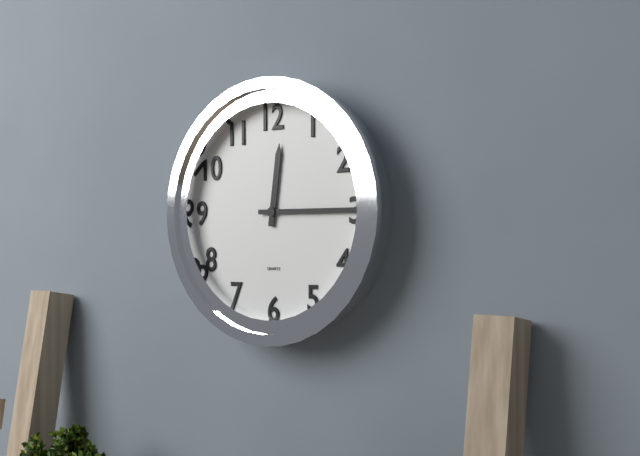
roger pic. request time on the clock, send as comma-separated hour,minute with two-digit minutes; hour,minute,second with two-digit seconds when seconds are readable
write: 12,15
